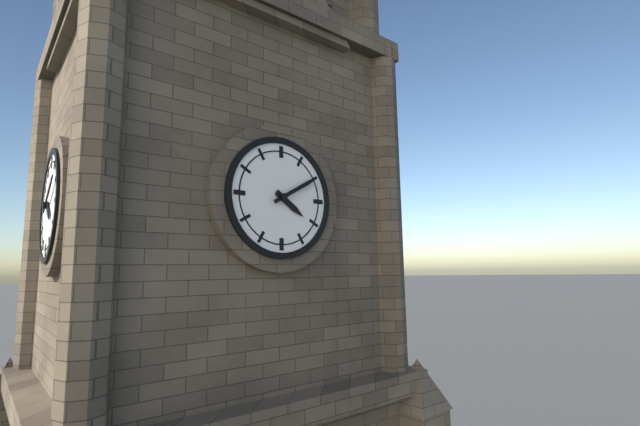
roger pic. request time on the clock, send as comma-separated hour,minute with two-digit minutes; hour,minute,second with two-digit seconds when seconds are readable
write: 4,10
